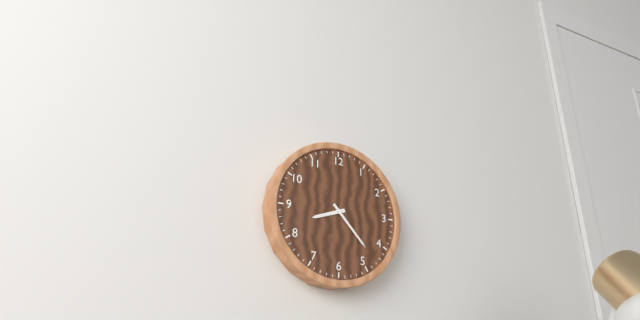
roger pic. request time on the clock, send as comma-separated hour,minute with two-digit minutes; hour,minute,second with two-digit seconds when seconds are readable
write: 8,23
